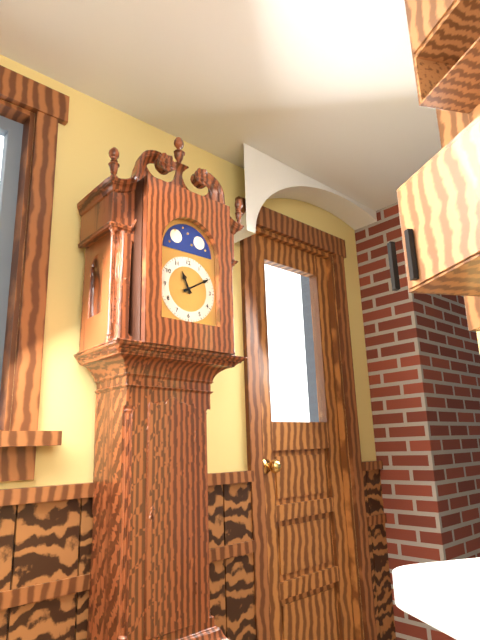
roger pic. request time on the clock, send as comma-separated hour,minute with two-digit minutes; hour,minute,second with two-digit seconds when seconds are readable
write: 11,10
